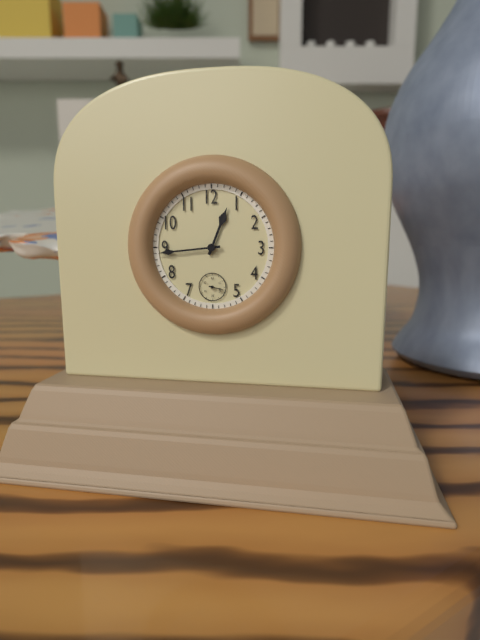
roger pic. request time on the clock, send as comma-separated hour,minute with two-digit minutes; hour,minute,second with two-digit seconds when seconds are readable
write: 12,44
